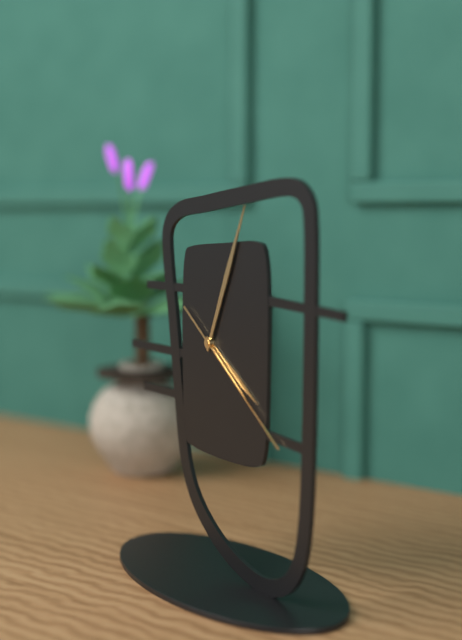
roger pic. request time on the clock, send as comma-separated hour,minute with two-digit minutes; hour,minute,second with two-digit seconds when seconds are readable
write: 4,04,21
